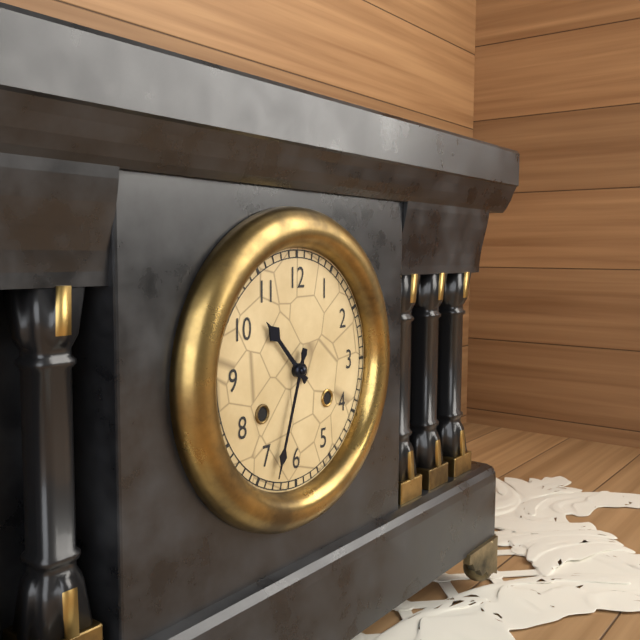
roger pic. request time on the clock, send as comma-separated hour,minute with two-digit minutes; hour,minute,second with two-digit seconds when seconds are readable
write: 10,33
